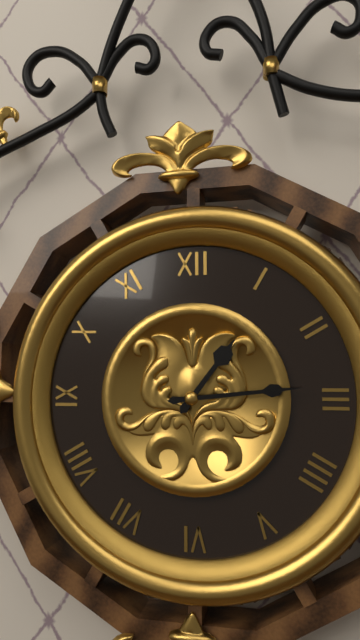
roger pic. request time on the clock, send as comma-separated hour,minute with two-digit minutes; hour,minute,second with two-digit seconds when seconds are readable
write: 1,14
